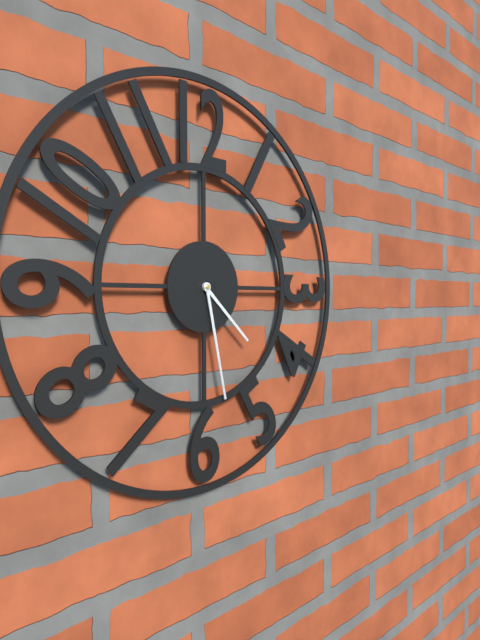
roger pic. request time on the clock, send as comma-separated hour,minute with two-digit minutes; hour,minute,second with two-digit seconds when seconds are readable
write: 4,28
